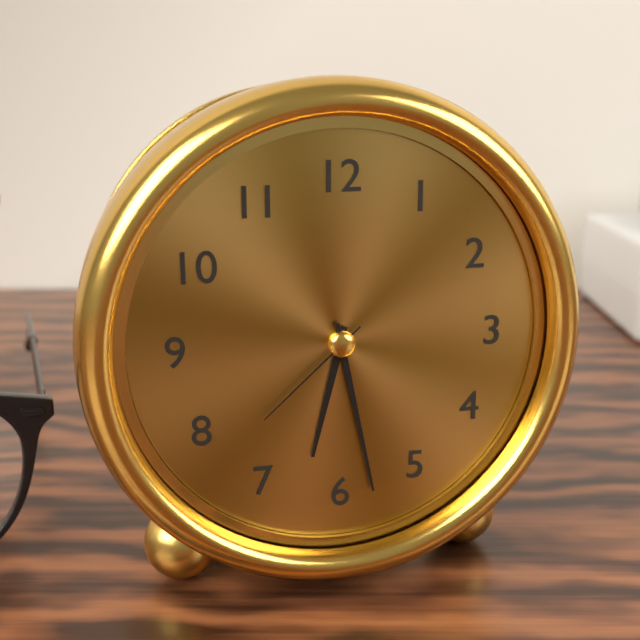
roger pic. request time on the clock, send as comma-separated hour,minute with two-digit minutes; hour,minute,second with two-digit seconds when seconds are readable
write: 6,28,38
